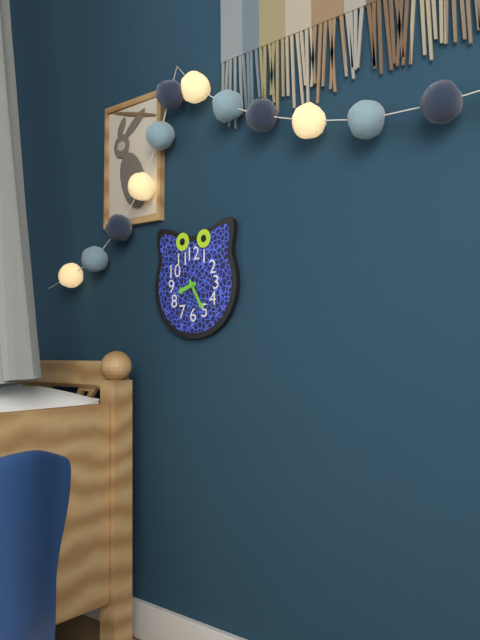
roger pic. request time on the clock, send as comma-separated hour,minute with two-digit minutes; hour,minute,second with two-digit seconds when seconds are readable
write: 8,25
